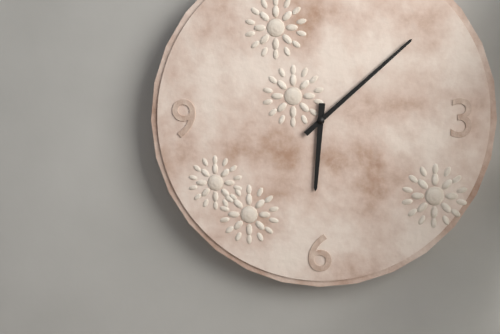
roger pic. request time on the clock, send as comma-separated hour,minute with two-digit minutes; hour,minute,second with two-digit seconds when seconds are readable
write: 6,08
